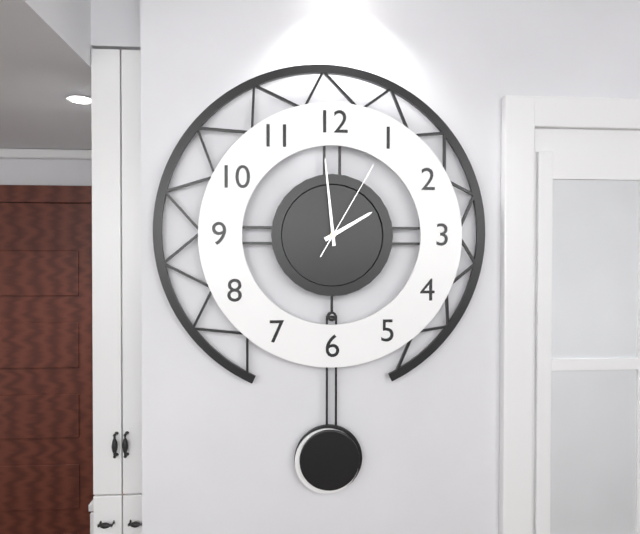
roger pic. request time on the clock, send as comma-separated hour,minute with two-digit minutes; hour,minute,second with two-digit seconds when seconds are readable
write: 1,59,05
